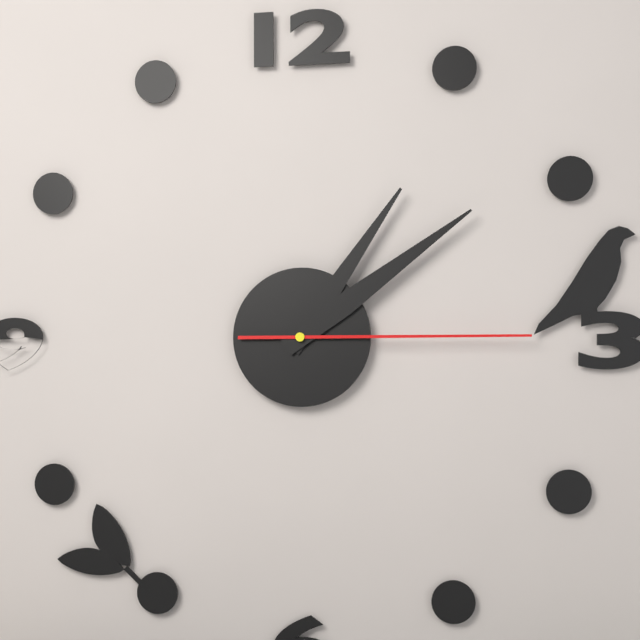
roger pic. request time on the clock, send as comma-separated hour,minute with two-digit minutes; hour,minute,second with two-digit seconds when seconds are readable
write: 1,09,15
